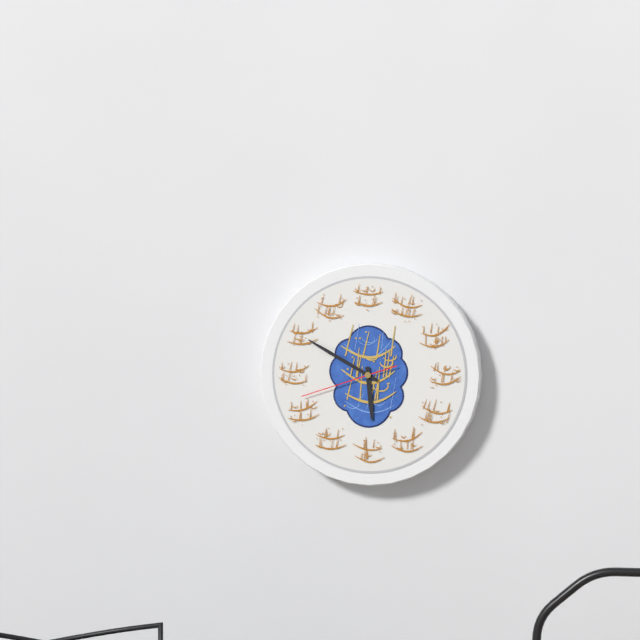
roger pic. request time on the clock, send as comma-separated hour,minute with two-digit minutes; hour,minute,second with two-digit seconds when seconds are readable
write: 5,50,42
